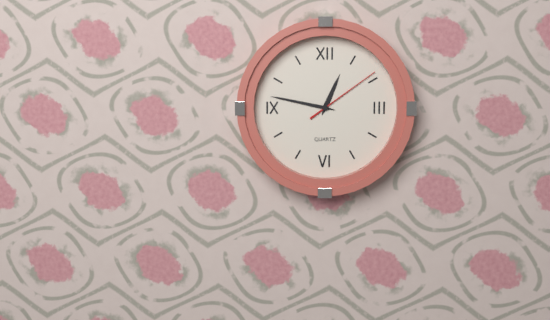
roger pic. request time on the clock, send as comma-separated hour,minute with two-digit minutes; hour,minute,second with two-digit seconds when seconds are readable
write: 12,47,09
